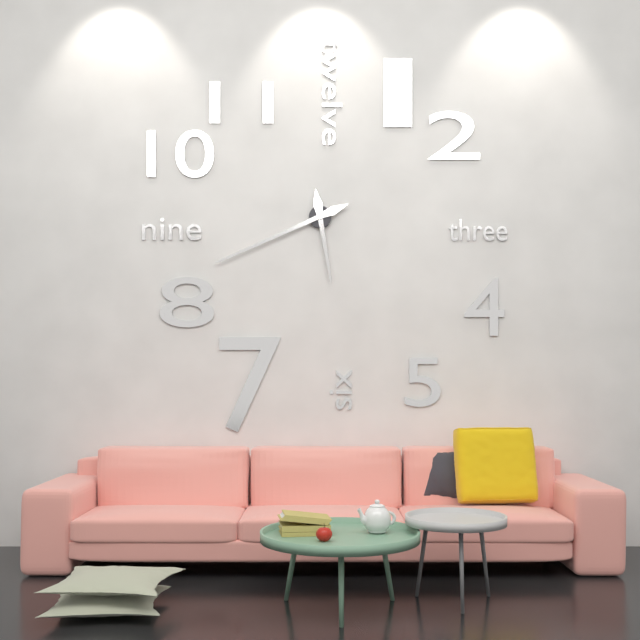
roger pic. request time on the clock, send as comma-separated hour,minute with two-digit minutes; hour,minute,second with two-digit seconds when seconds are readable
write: 5,41
